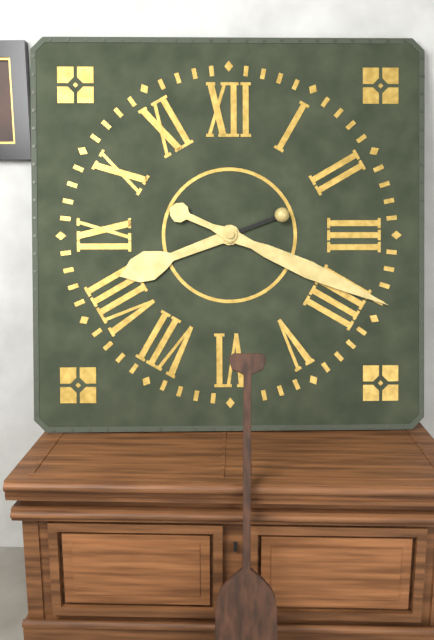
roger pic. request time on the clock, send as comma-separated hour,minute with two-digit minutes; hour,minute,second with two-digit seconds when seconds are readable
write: 8,19
